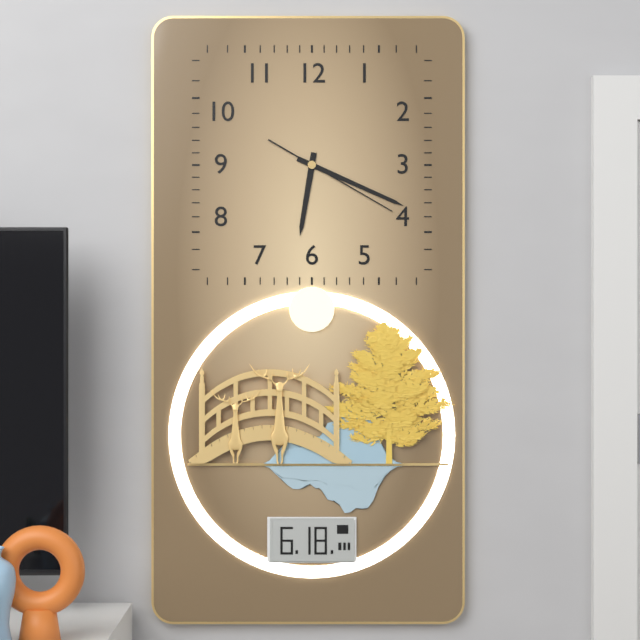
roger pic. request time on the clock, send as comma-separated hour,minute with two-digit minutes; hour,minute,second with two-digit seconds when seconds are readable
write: 6,19,20
